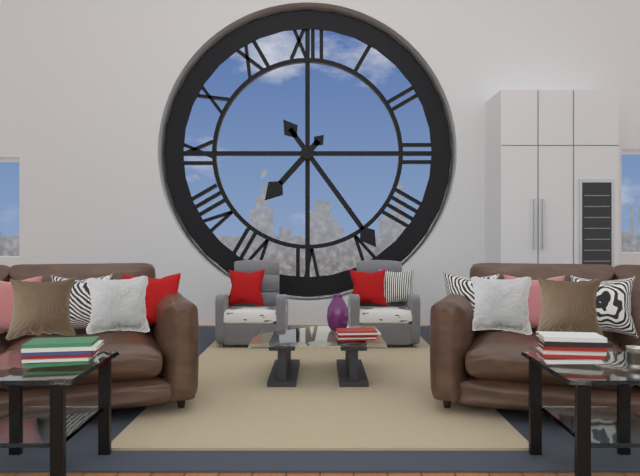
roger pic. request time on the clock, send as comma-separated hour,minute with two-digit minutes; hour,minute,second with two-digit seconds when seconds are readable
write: 7,24
